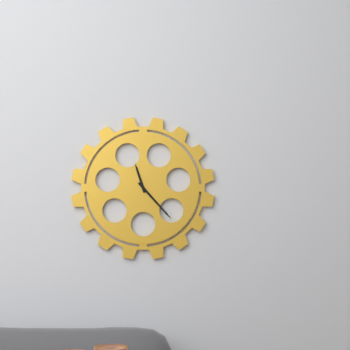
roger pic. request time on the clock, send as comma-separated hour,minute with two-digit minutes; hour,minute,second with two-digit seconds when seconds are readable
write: 11,23
